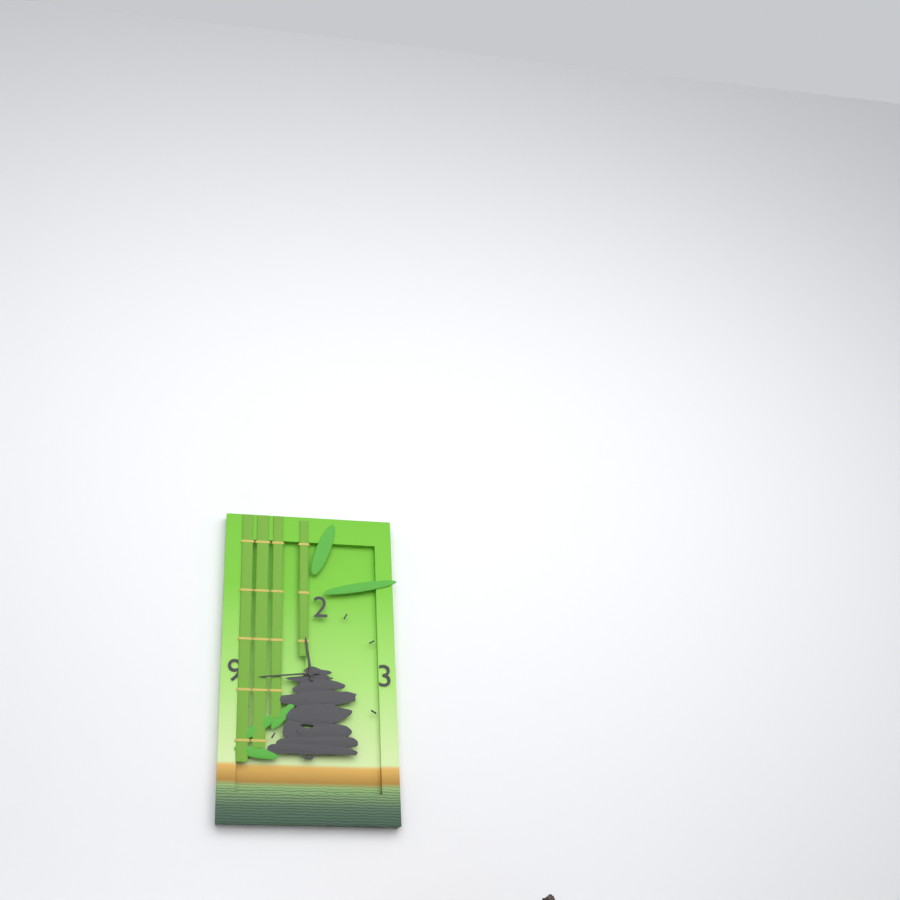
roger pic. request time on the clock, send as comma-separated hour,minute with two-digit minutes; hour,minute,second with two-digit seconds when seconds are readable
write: 11,44
